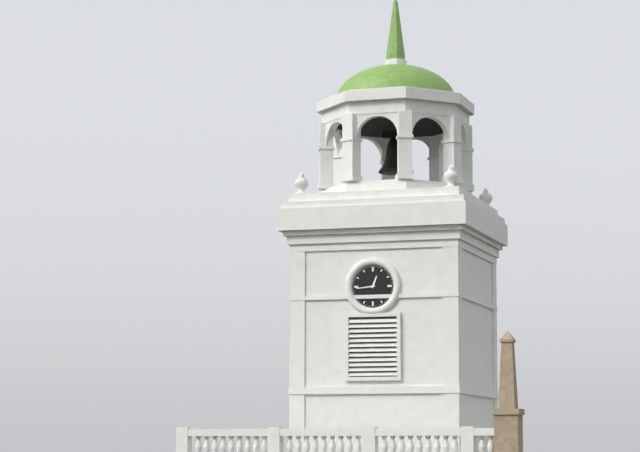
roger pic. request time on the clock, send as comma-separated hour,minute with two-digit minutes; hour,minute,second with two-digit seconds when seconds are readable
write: 12,44
